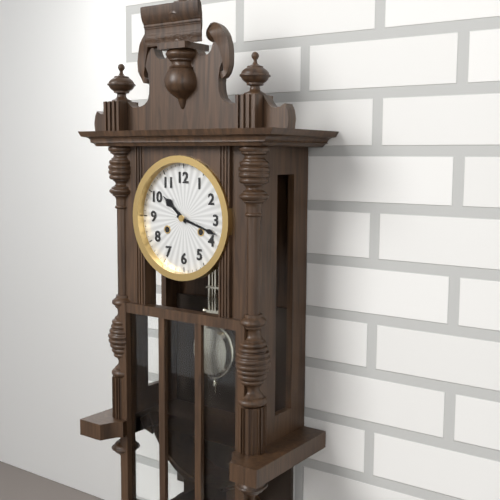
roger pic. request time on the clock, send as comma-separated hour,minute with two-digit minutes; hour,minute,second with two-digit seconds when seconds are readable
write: 10,18
